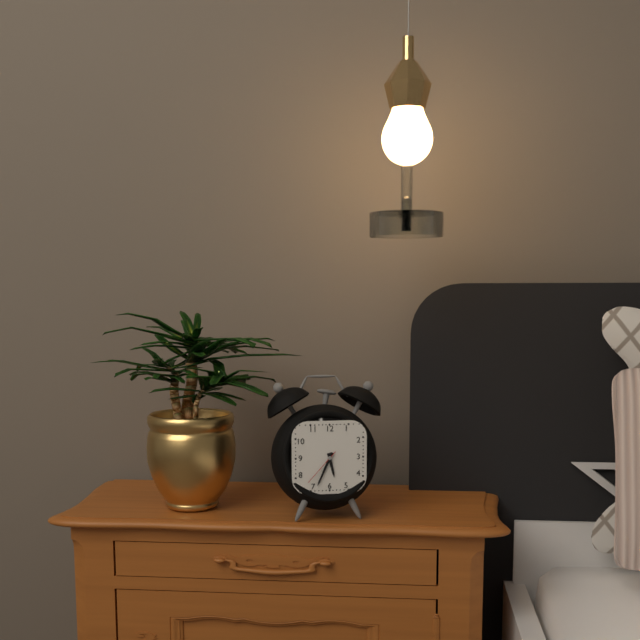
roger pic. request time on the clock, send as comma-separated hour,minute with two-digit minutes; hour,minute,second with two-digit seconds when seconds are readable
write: 5,34
